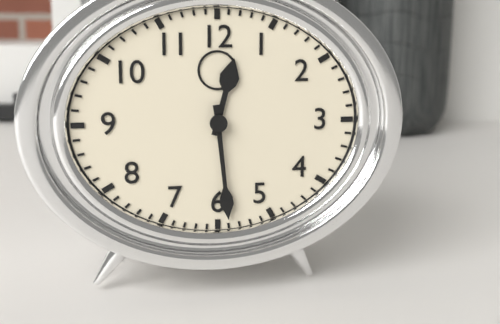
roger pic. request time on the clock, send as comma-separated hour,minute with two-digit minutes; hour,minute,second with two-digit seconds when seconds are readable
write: 12,29
